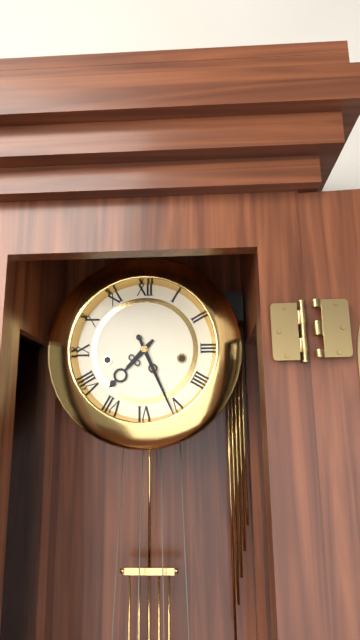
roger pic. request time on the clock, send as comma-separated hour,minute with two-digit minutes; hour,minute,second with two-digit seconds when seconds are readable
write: 7,26
